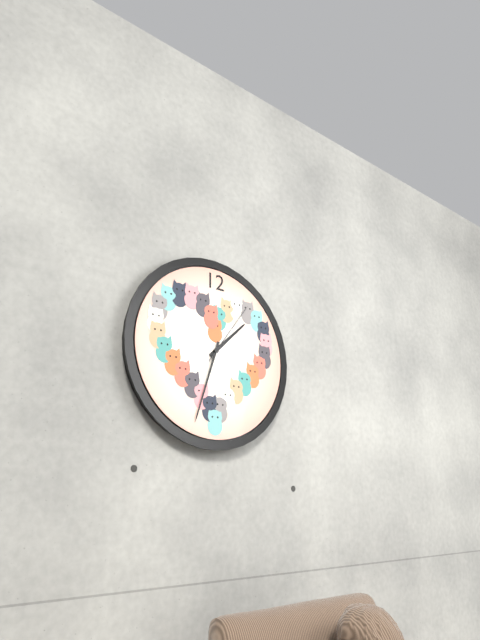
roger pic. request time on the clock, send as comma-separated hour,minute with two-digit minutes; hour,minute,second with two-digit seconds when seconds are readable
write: 1,33,06
